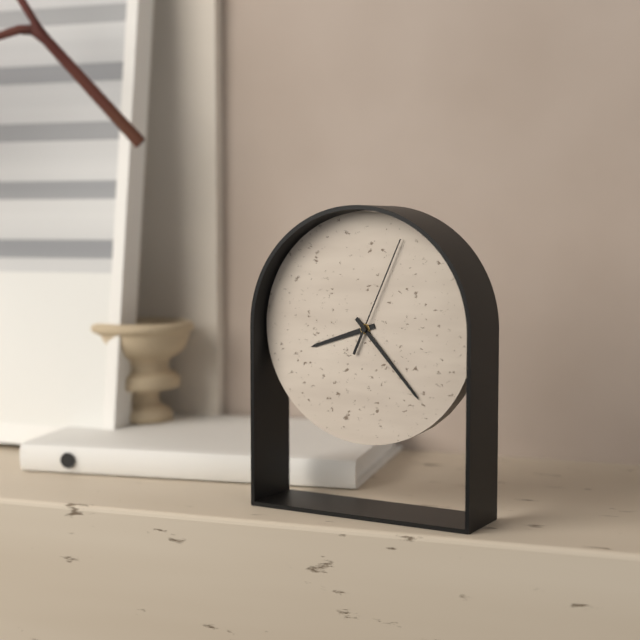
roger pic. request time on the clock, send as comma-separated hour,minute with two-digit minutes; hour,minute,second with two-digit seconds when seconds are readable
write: 8,23,04
